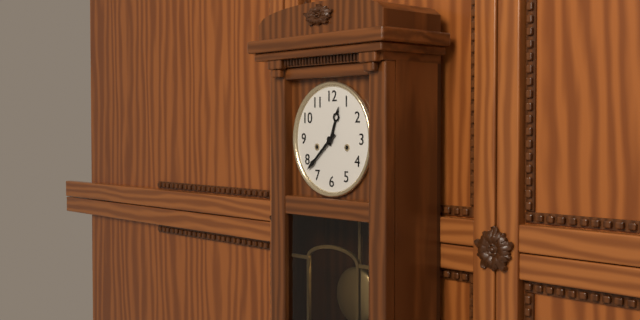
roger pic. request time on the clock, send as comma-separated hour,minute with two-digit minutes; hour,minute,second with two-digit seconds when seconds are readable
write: 12,38
